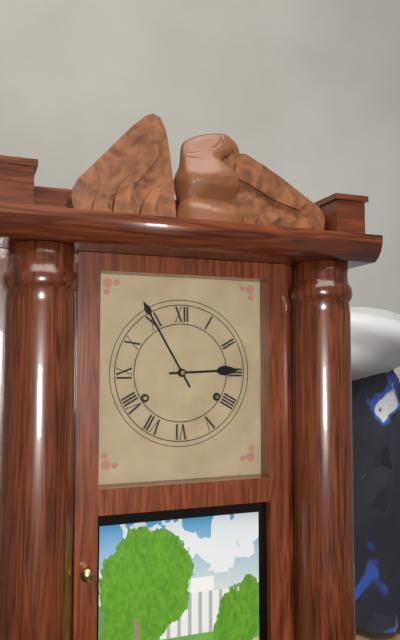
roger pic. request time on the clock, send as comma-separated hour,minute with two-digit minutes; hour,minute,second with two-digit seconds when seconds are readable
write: 2,55
